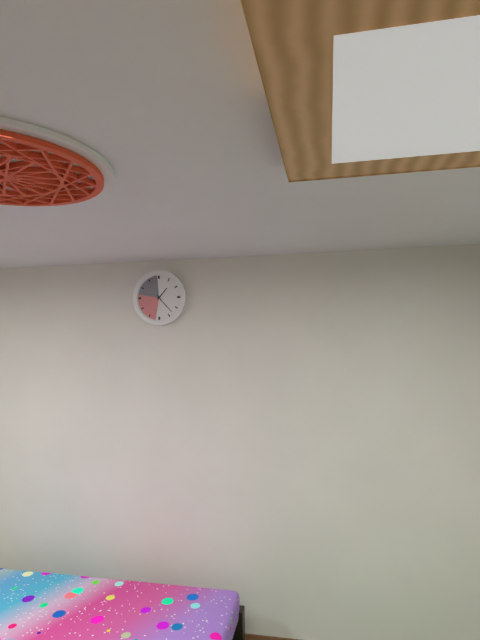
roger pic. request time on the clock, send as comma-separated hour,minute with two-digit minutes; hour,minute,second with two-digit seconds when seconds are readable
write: 1,23
